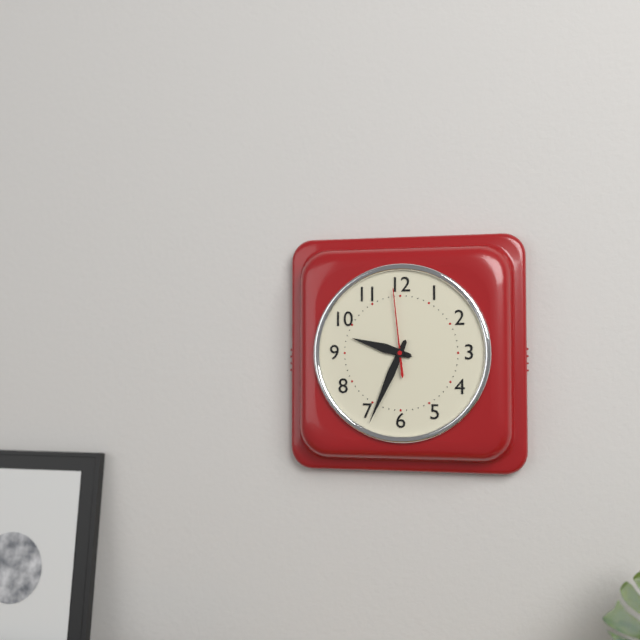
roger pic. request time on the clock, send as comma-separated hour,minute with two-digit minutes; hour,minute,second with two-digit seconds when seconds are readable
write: 9,34,59
